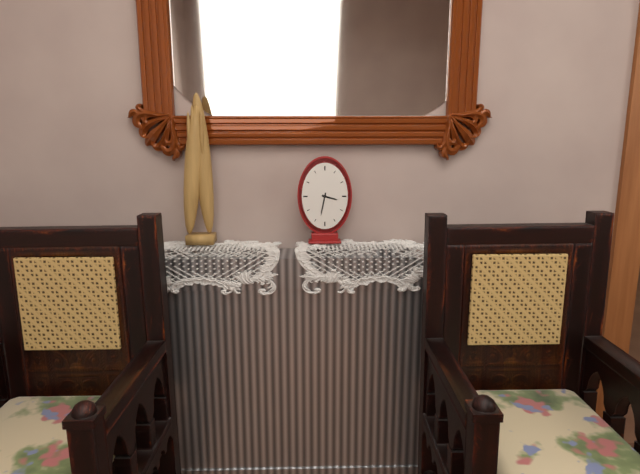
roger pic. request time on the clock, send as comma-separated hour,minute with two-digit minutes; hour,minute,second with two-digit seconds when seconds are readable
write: 3,32
